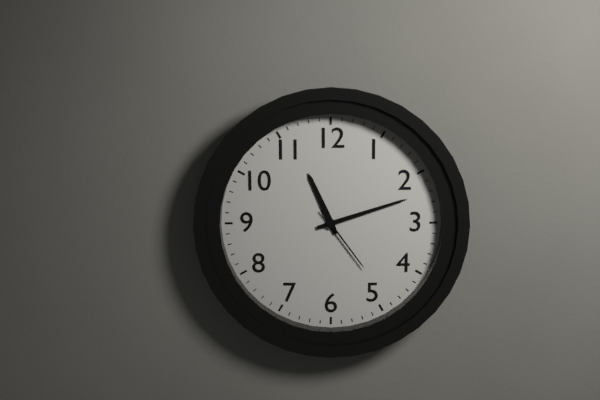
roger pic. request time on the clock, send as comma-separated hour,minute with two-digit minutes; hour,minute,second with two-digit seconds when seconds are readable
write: 11,12,24
